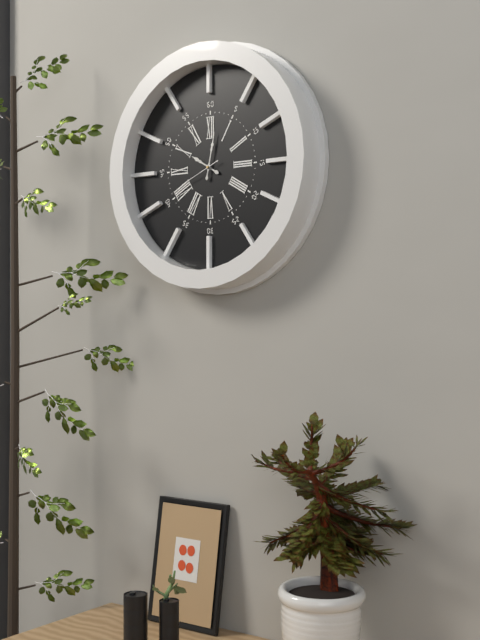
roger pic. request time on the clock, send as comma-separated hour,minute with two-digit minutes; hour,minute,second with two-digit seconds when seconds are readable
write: 10,02
